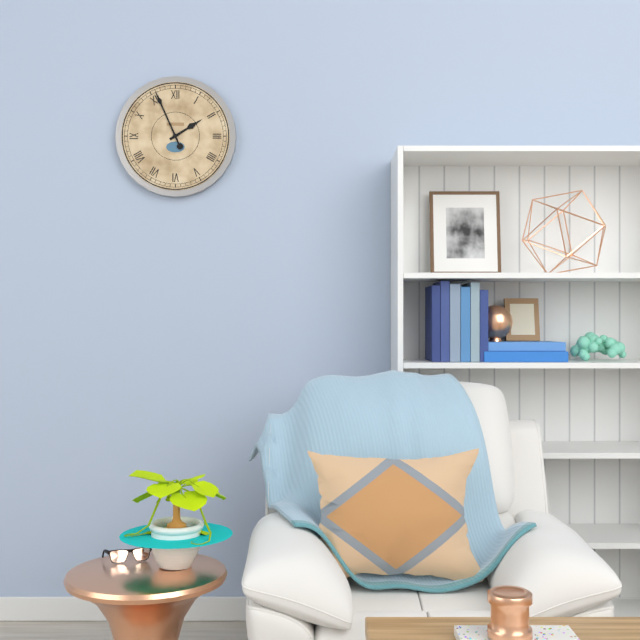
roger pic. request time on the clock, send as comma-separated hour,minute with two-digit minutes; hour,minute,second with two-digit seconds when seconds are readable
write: 1,56
